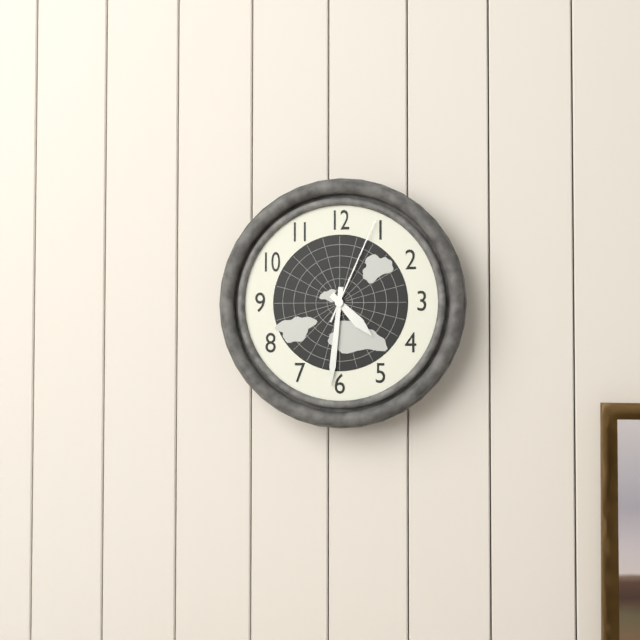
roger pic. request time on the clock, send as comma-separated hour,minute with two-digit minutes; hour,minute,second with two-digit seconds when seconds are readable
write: 4,31,04
